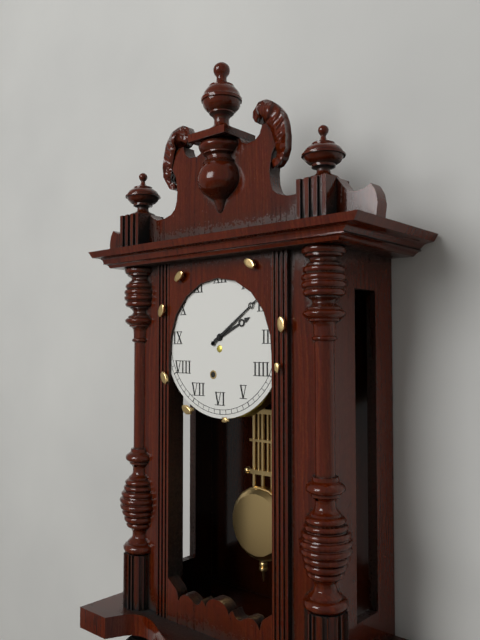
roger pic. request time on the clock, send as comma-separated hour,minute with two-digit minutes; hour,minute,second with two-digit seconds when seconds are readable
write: 2,09
